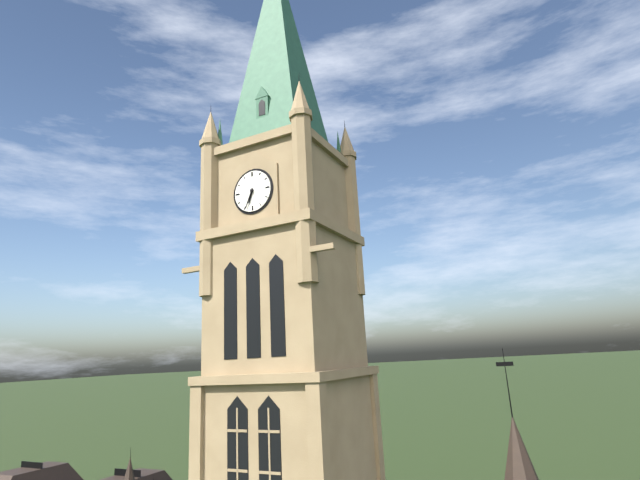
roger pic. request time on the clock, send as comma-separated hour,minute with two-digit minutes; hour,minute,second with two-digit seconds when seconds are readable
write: 6,34
